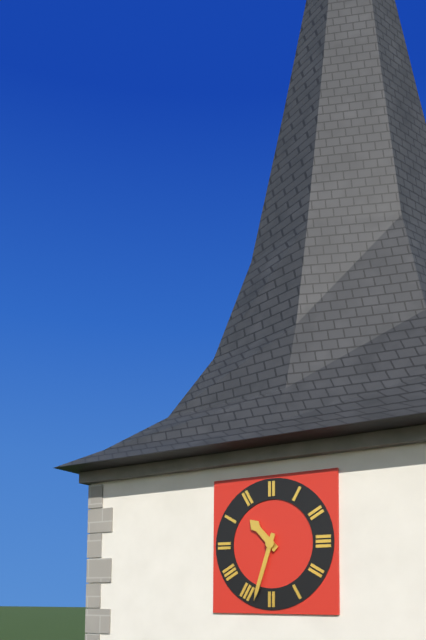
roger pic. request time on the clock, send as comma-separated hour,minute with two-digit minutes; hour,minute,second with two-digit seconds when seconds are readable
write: 10,33
